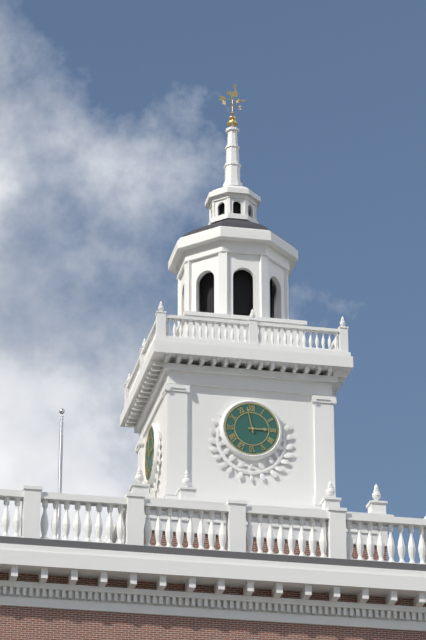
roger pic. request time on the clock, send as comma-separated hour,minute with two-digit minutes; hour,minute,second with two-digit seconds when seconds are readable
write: 2,58
